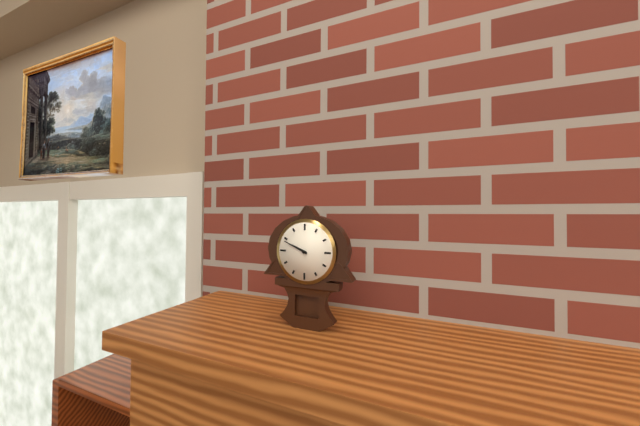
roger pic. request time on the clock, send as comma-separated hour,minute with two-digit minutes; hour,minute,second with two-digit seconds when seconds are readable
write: 9,49
